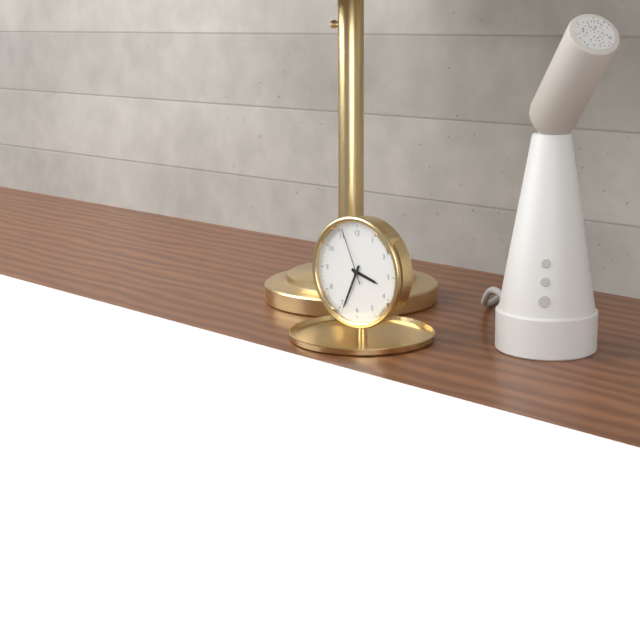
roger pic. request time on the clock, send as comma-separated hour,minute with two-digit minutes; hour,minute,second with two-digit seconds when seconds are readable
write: 3,34,56
